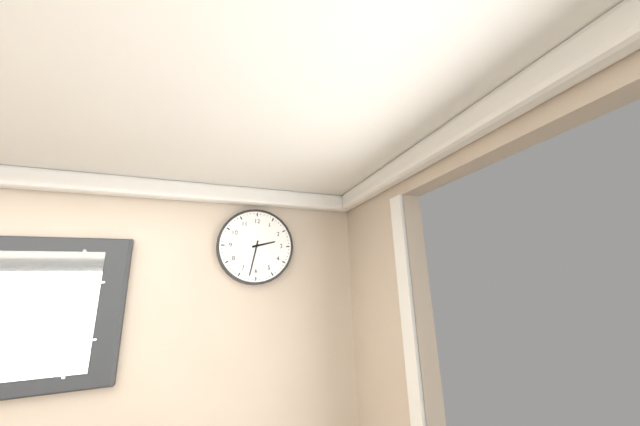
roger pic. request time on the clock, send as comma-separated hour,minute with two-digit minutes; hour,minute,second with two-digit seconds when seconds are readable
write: 2,32
